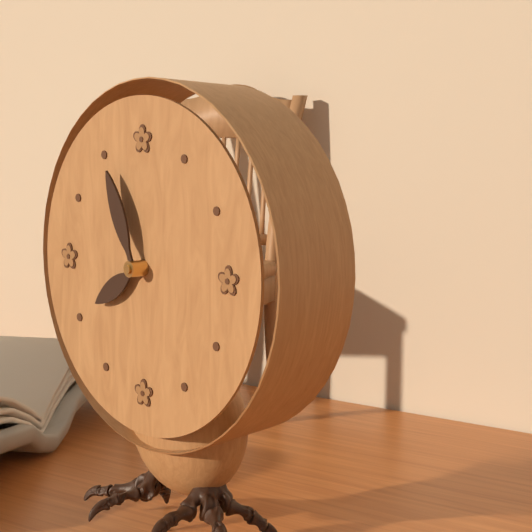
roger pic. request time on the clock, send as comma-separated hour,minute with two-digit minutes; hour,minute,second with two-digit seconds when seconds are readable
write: 7,56
